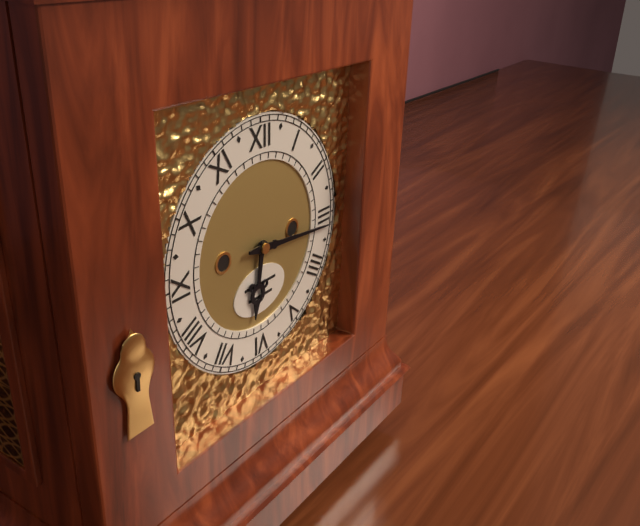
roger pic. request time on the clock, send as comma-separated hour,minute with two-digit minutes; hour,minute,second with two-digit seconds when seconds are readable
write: 6,16
